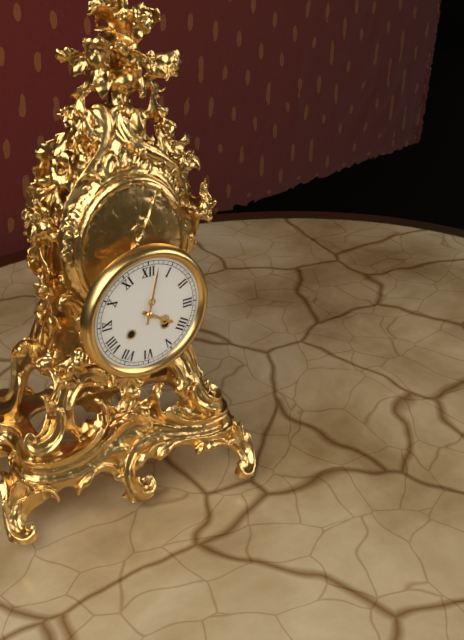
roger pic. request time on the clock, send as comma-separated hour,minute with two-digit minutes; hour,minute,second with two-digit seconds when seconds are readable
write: 4,02
